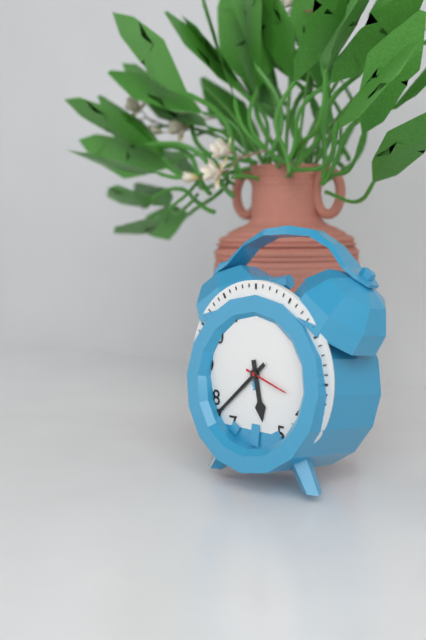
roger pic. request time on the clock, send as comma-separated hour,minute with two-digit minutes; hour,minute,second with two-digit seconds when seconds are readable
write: 5,38
